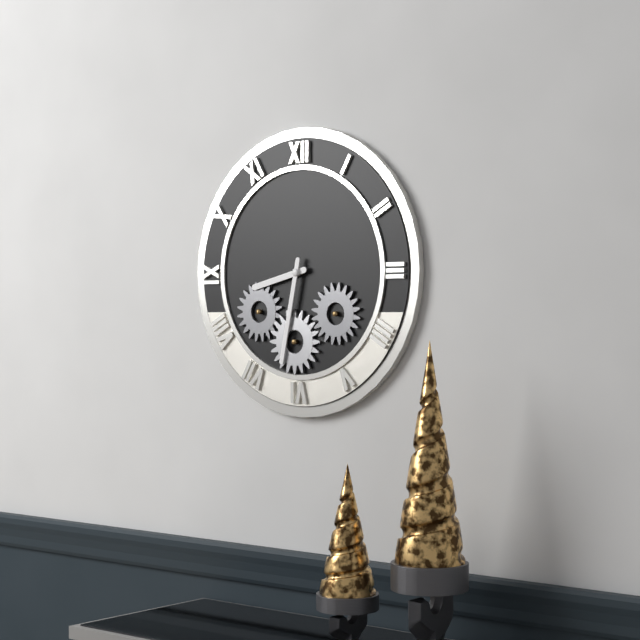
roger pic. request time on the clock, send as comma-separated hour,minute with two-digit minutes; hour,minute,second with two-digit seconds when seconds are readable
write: 8,32
